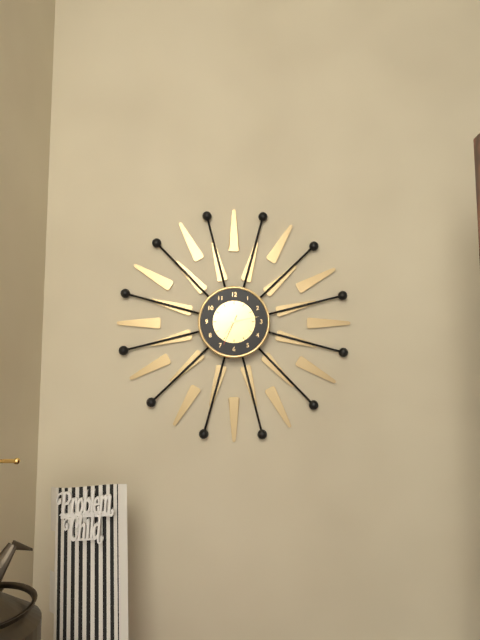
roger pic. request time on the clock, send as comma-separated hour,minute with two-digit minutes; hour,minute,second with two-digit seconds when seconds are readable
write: 7,13
